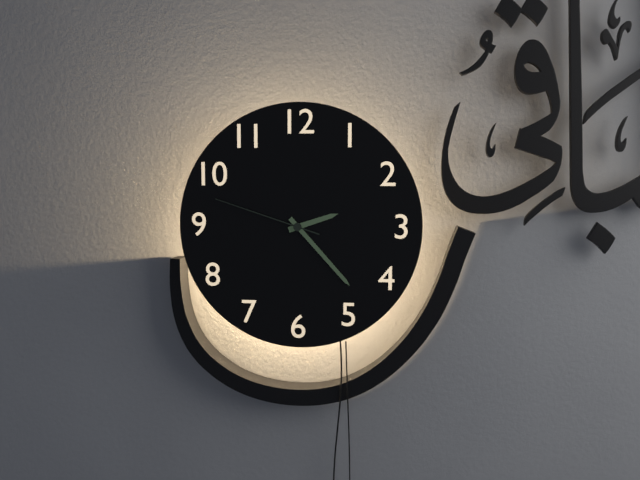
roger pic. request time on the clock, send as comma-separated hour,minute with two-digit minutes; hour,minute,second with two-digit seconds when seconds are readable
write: 2,23,48
